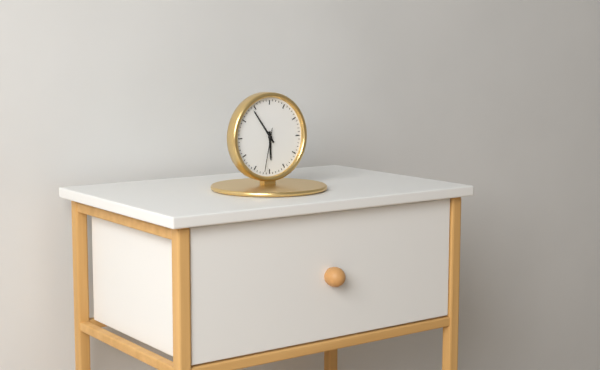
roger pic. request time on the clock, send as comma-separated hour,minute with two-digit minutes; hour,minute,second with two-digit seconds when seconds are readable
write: 5,54
